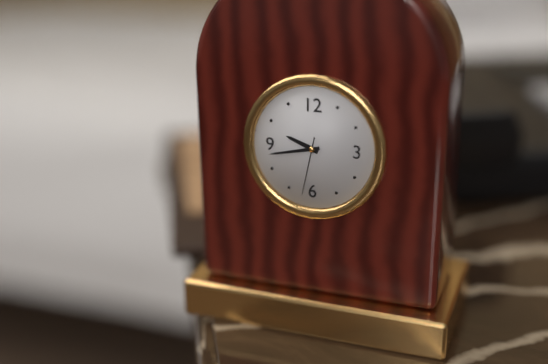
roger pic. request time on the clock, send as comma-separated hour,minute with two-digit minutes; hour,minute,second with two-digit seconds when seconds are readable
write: 9,43,32
